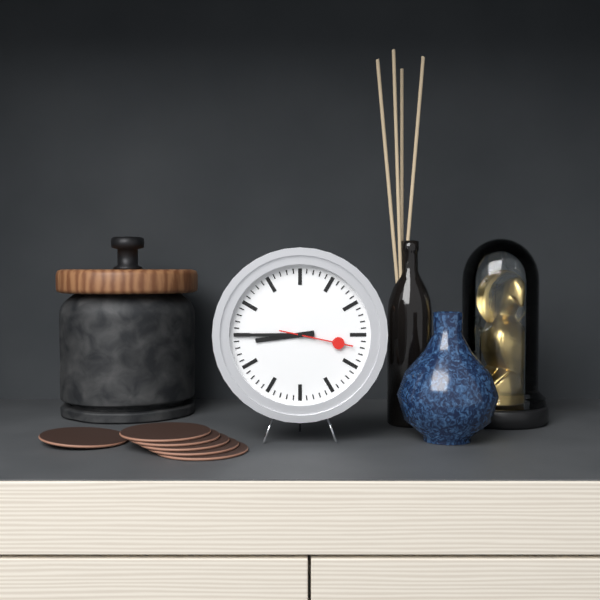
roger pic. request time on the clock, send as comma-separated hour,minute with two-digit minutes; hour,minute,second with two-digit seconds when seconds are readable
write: 8,45,17
